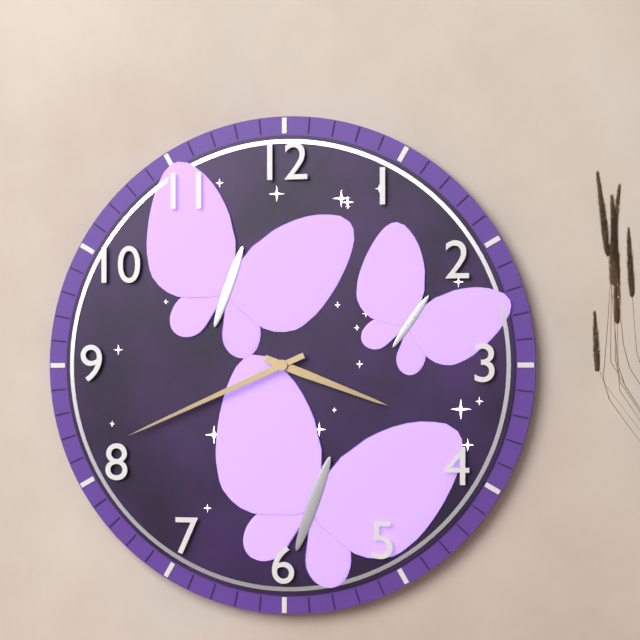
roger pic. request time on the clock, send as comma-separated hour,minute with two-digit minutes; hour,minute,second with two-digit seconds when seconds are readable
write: 3,41
